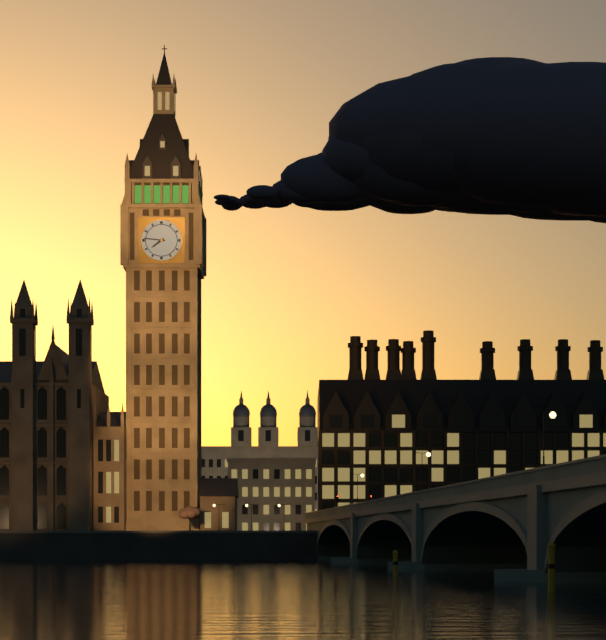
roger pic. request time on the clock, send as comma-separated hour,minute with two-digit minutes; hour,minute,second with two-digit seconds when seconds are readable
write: 7,46
